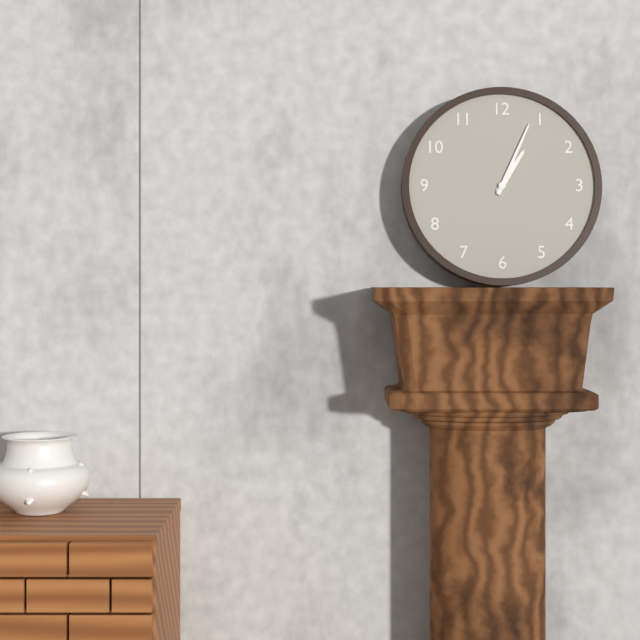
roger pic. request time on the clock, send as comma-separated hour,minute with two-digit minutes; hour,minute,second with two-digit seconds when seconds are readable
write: 1,04
